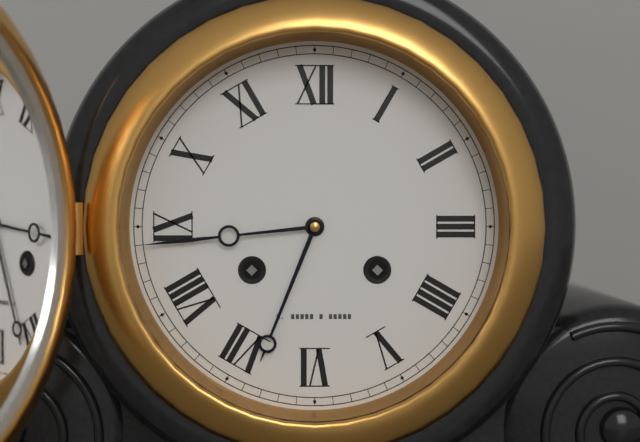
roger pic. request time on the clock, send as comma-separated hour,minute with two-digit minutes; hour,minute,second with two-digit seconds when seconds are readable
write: 6,44
